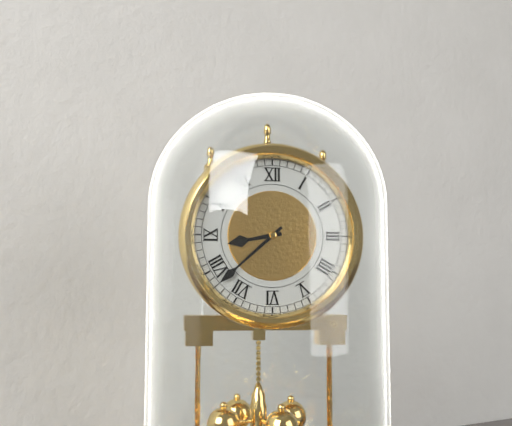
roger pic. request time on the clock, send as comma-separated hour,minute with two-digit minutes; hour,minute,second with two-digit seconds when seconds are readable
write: 8,38
